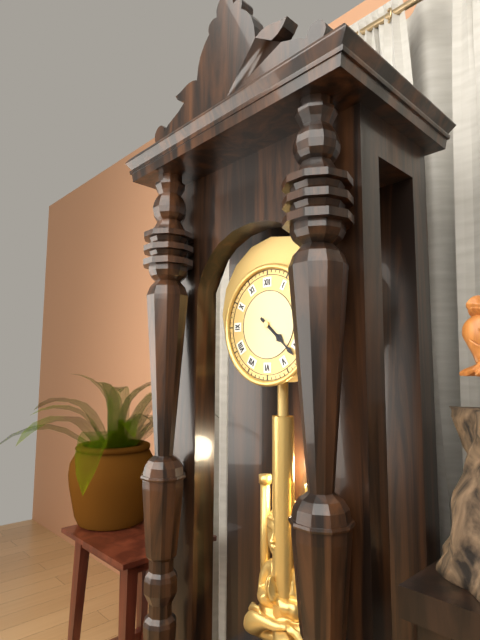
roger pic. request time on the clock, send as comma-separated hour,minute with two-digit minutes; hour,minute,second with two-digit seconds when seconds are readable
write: 4,22
